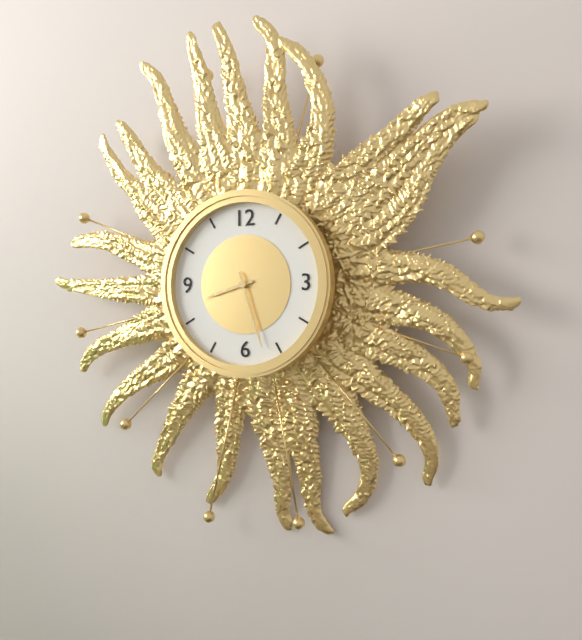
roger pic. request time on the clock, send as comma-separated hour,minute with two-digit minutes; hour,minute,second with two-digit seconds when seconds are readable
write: 8,27
